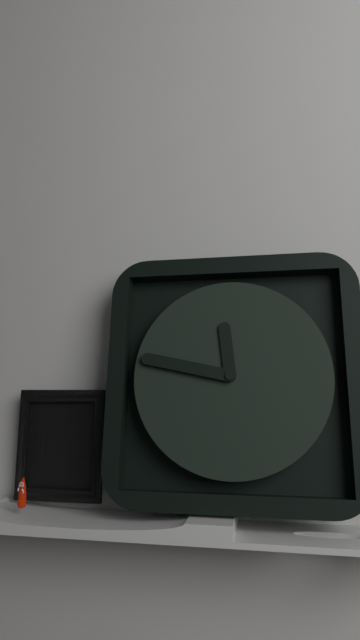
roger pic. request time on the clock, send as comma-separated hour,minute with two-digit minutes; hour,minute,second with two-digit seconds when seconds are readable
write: 11,47
